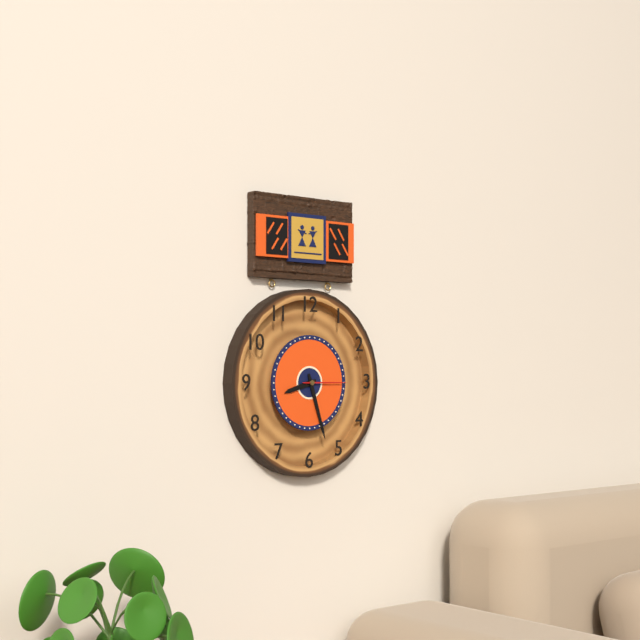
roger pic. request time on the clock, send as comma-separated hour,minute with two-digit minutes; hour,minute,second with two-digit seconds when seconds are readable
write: 8,27
